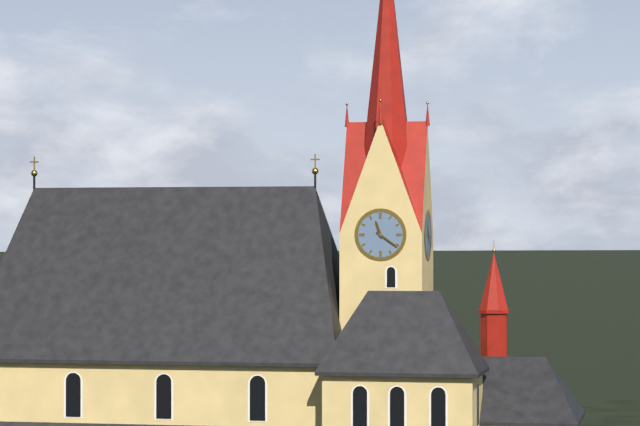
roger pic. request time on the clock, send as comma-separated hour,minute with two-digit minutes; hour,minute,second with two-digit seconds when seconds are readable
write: 11,21
